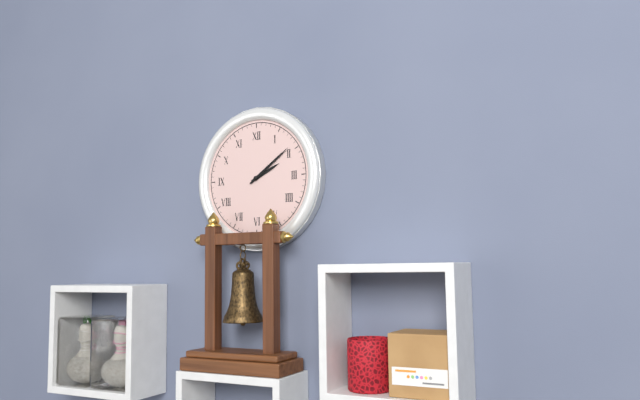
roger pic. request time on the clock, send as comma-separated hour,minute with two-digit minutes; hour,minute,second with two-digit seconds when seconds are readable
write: 2,09
